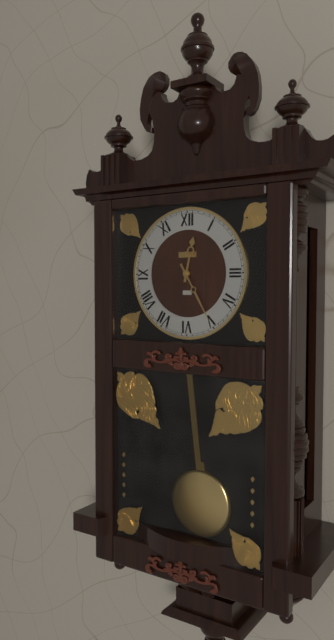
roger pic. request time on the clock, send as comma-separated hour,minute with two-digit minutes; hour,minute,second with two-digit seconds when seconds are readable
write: 12,25
